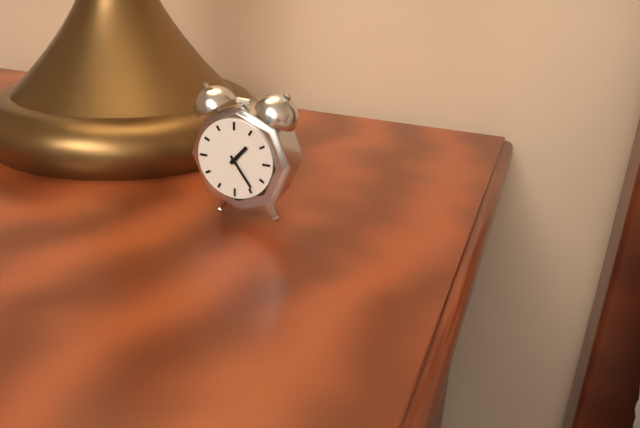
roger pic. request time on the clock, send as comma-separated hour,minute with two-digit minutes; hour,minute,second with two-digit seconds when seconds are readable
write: 1,24
